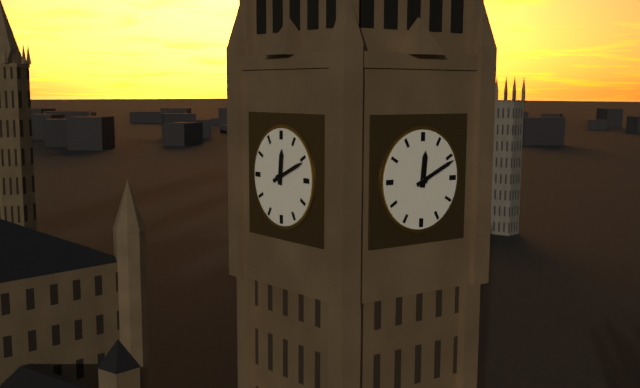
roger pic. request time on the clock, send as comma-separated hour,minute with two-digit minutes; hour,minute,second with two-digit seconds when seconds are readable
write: 12,11
